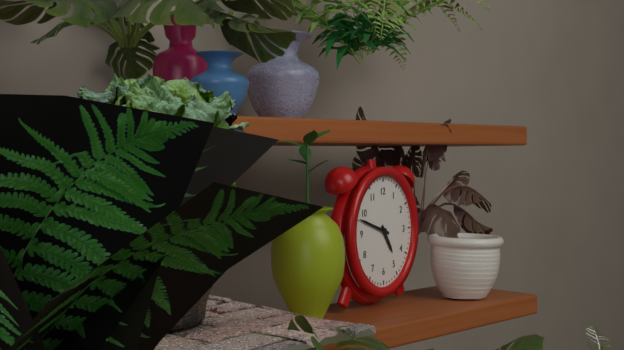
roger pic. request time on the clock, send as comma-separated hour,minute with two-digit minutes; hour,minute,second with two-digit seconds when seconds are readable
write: 4,48
